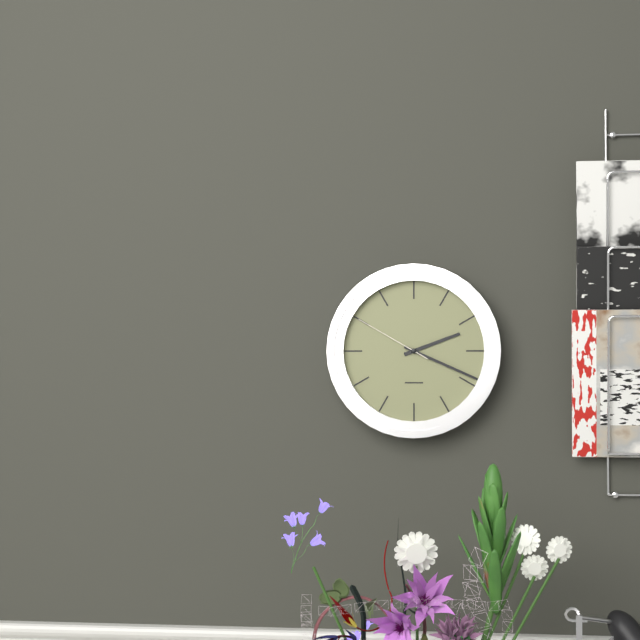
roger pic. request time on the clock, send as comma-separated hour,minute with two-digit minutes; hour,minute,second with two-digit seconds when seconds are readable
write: 2,19,50
